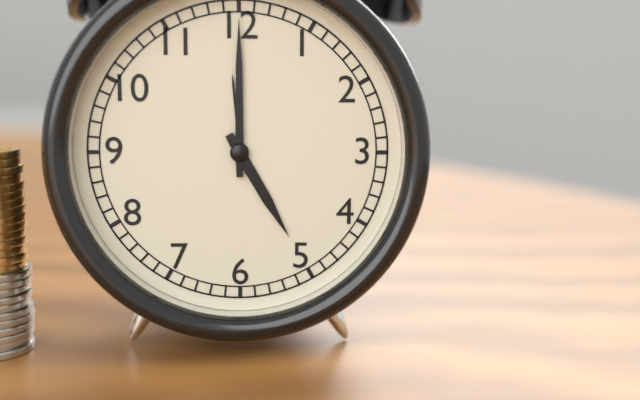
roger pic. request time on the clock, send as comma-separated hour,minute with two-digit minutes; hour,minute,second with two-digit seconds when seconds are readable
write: 5,00
